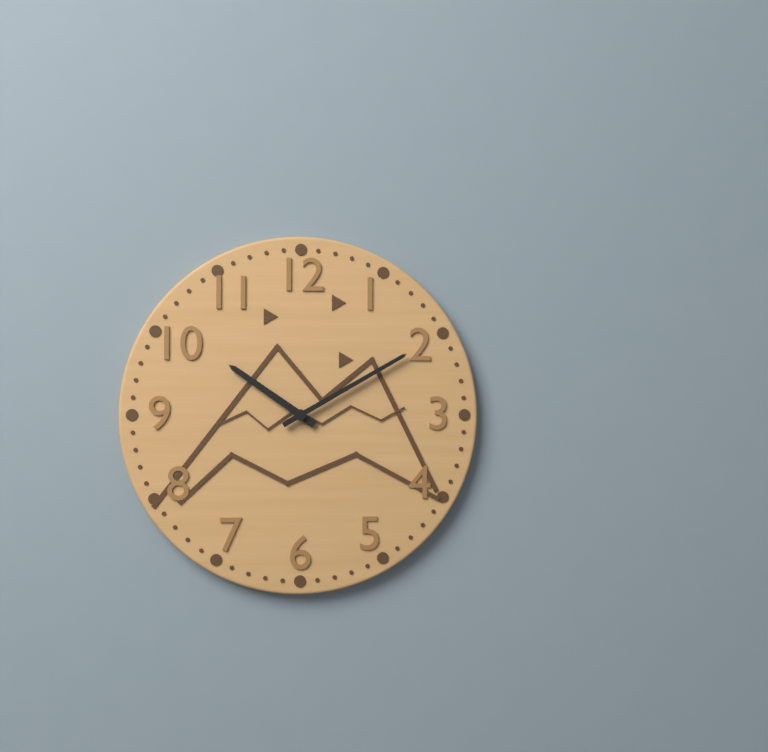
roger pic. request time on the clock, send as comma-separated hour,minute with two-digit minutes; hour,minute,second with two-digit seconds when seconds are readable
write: 10,10
